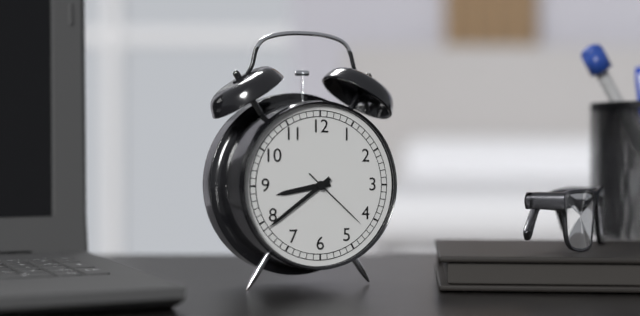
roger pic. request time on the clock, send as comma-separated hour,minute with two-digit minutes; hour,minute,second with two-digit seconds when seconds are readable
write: 8,39,22
